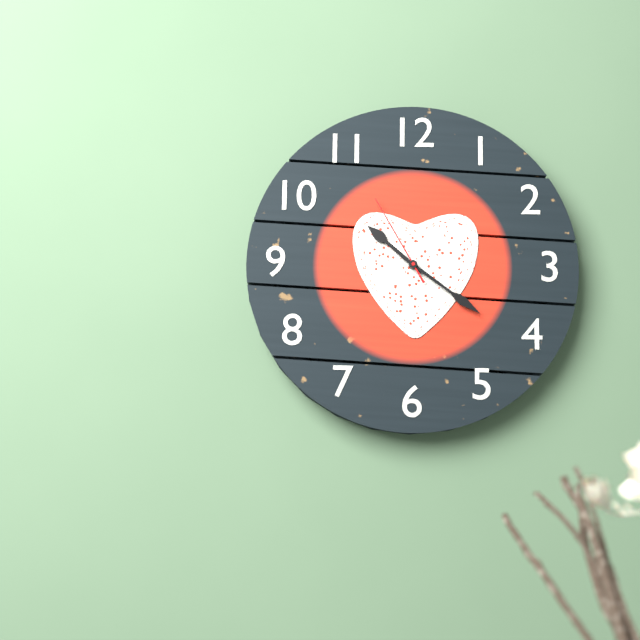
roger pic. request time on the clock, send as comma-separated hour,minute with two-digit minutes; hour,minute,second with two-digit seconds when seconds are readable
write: 10,21,55
